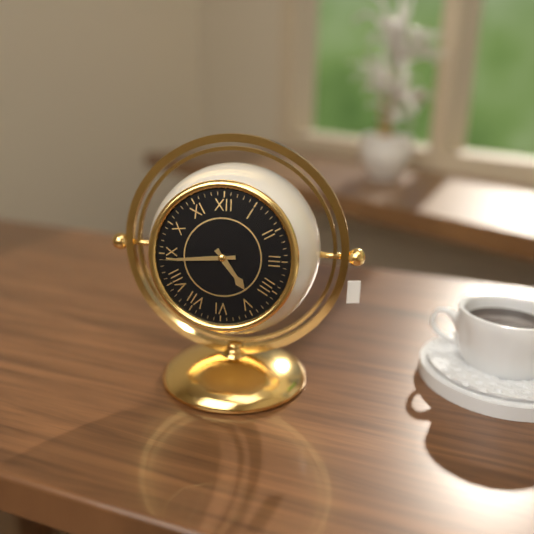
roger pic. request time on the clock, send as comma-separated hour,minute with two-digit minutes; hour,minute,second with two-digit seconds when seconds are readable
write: 4,44
